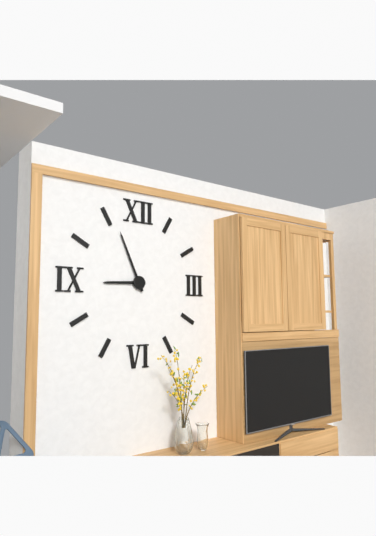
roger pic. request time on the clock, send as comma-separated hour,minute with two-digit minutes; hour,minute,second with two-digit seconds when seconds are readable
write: 8,56
